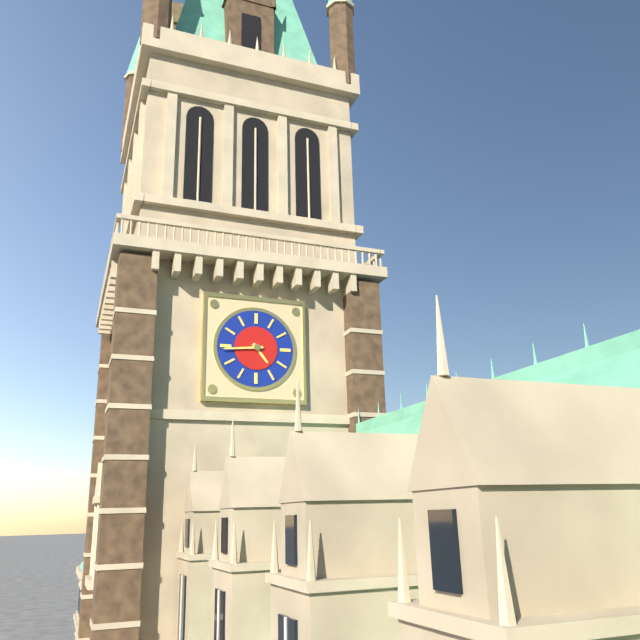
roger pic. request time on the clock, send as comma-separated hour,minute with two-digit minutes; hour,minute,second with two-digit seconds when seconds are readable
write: 4,44
